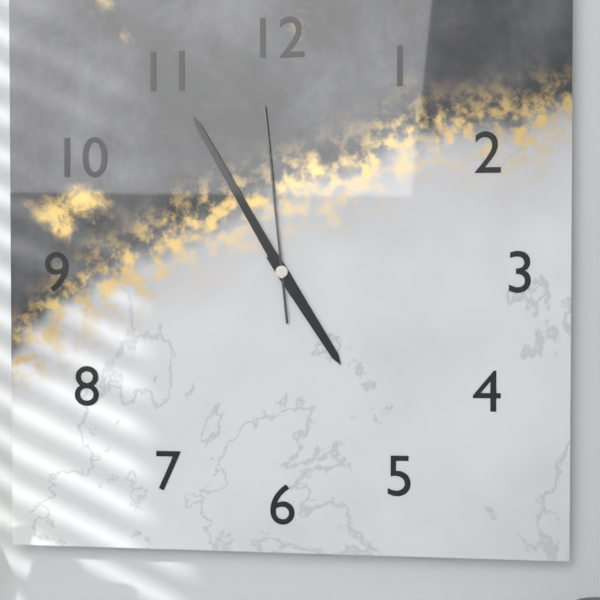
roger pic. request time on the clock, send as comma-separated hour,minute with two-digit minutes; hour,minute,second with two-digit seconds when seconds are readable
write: 4,55,59
